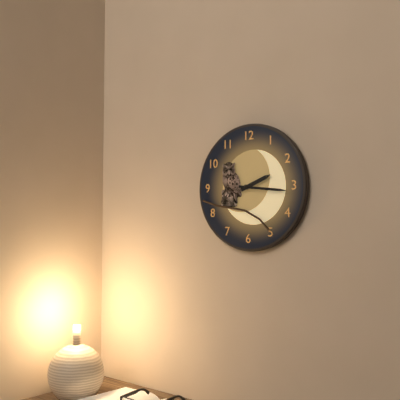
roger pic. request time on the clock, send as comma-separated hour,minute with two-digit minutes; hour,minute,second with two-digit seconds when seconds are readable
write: 2,16
